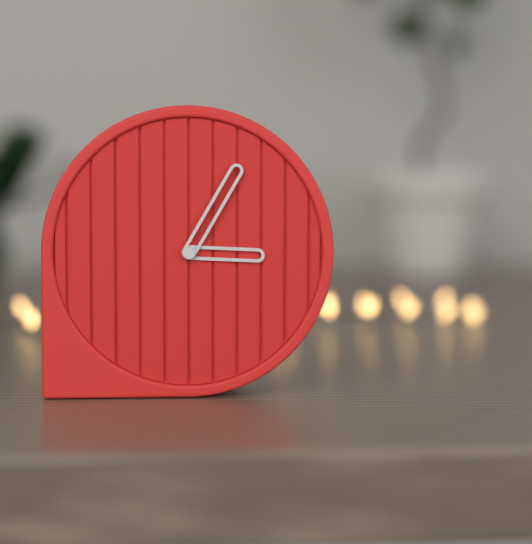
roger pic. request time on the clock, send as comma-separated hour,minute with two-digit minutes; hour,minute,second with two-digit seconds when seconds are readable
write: 3,05
